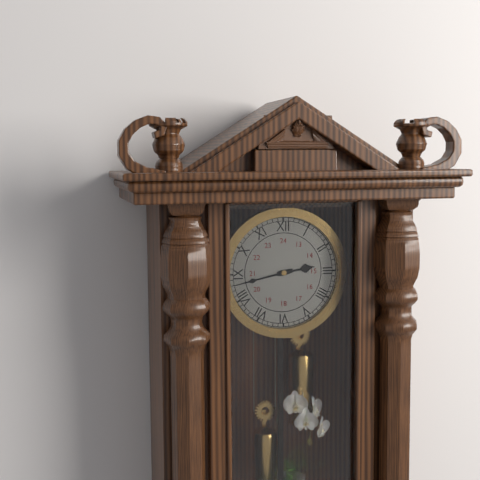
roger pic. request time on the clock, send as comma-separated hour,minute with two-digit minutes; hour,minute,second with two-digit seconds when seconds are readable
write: 2,43
